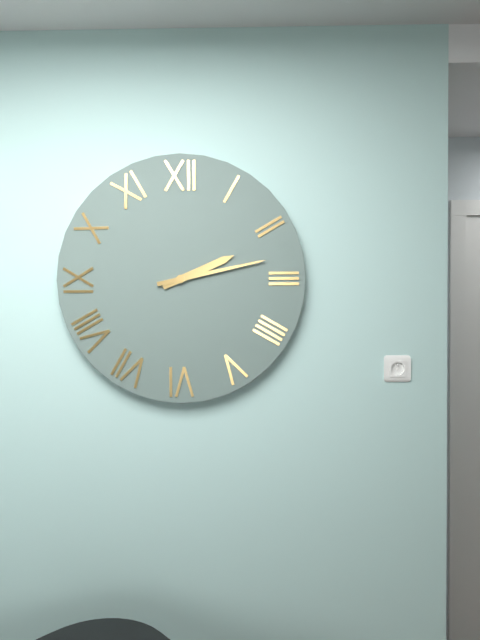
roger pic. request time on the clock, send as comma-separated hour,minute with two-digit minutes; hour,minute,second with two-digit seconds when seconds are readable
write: 2,13
